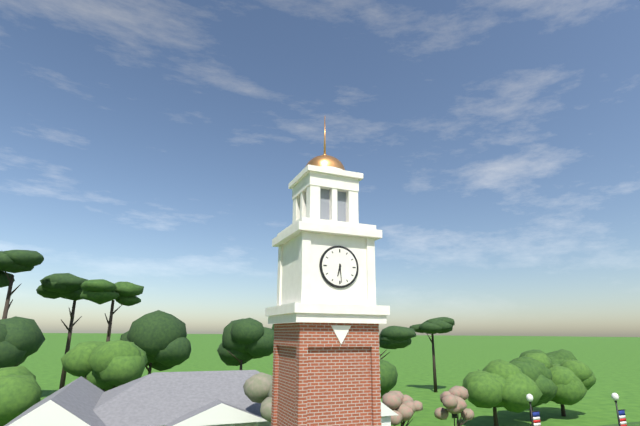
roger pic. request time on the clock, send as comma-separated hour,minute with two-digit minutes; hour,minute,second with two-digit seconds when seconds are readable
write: 6,29
